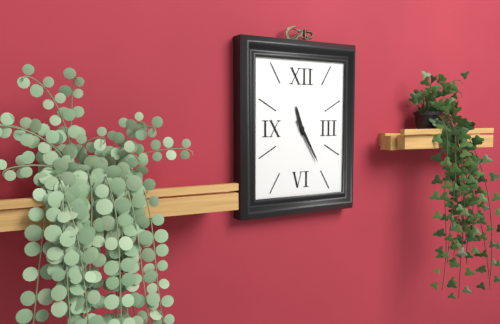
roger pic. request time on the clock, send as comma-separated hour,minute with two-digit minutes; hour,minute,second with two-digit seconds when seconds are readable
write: 11,25
